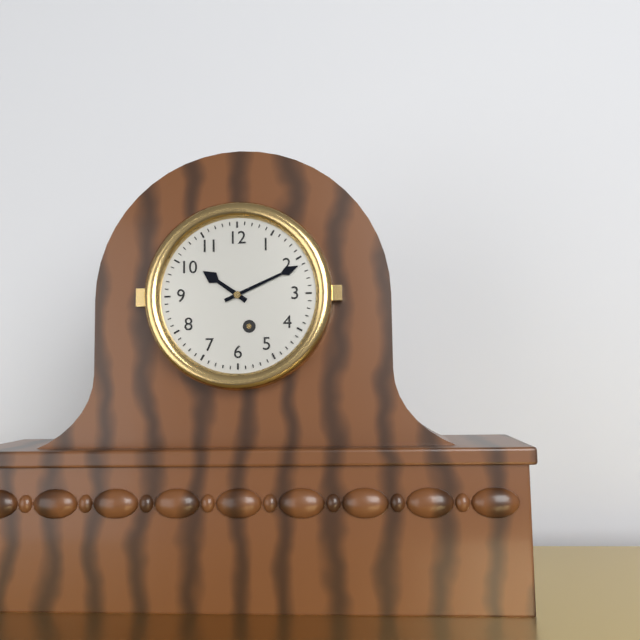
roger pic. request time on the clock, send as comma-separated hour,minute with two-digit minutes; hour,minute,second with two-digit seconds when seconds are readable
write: 10,11
